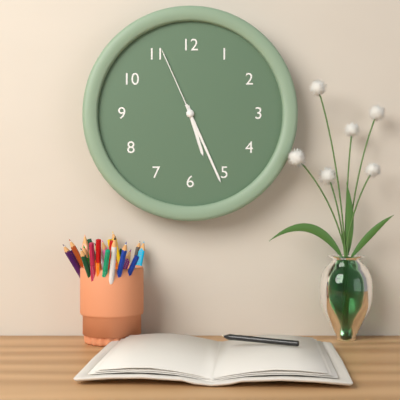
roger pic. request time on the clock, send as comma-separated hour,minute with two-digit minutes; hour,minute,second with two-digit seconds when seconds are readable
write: 5,26,56
